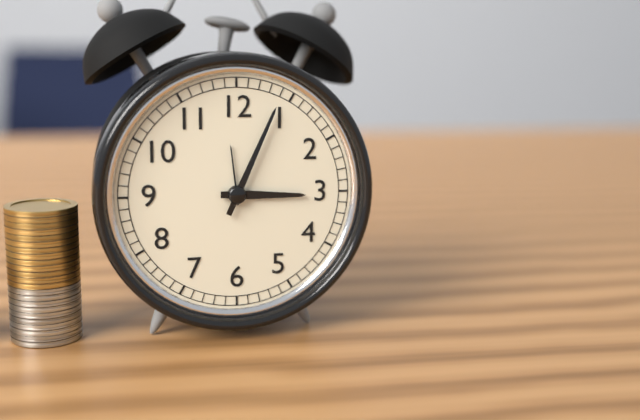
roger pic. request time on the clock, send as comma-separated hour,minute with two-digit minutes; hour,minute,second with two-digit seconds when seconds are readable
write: 3,04
